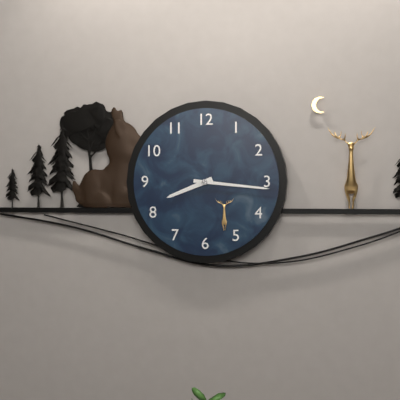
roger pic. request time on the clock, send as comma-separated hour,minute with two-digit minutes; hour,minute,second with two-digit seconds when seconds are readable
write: 8,16
